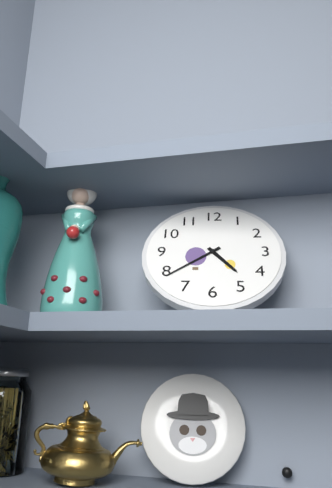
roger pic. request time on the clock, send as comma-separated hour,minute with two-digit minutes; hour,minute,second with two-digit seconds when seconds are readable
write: 4,39
